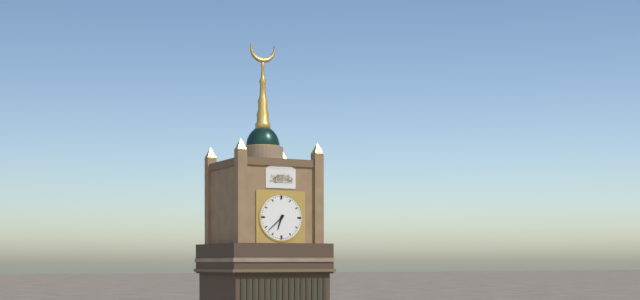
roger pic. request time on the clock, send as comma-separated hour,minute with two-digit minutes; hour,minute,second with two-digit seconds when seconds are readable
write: 6,38
